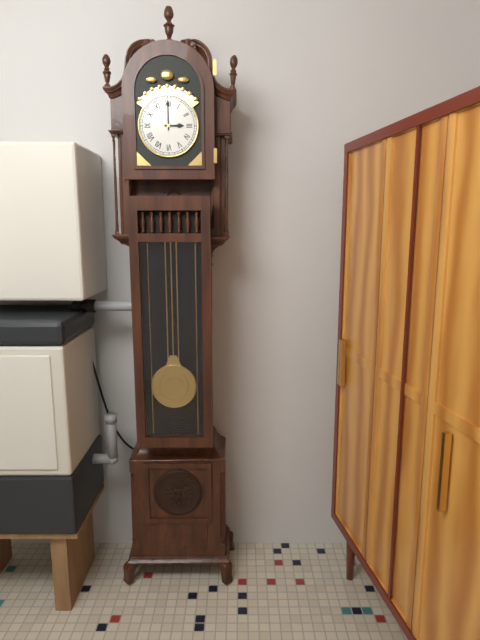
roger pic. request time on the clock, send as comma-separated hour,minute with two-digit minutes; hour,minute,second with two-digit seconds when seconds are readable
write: 3,00
